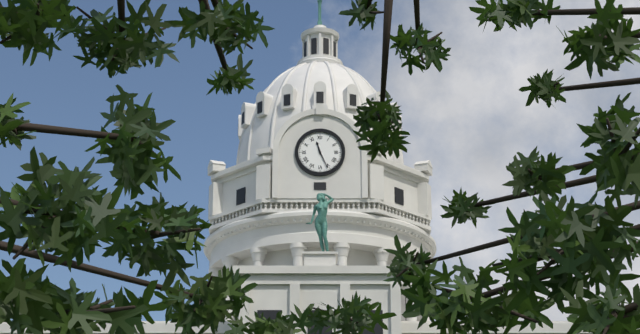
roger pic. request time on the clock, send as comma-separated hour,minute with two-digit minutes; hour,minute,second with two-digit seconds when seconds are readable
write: 11,26
